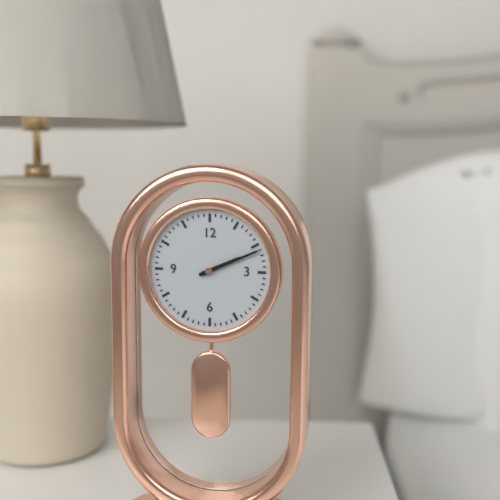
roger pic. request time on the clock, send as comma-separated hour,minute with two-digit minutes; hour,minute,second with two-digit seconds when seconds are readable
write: 2,11
